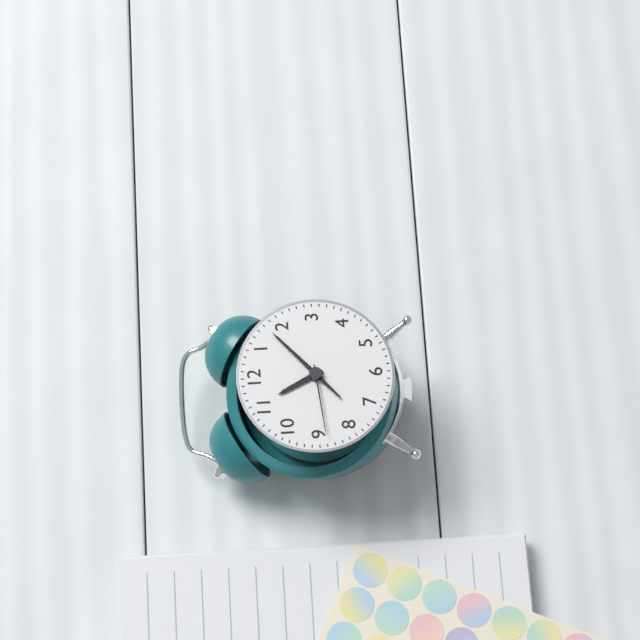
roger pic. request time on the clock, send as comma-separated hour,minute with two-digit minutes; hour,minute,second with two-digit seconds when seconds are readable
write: 11,08,44
